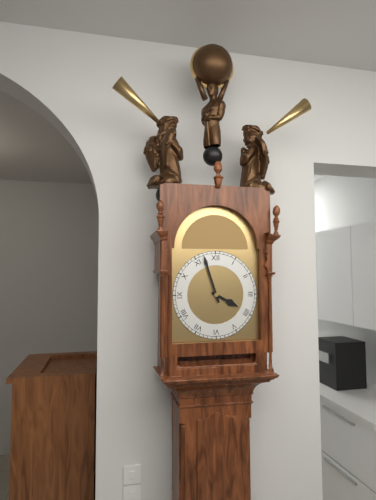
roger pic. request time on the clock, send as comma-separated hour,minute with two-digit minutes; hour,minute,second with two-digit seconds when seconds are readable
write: 3,57
